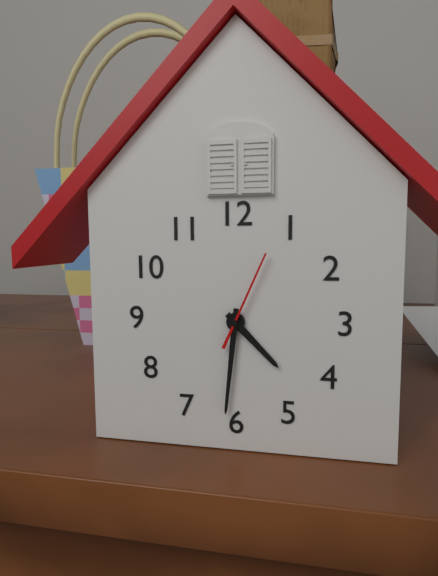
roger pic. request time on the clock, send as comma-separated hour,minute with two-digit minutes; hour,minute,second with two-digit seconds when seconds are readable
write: 4,31,04
